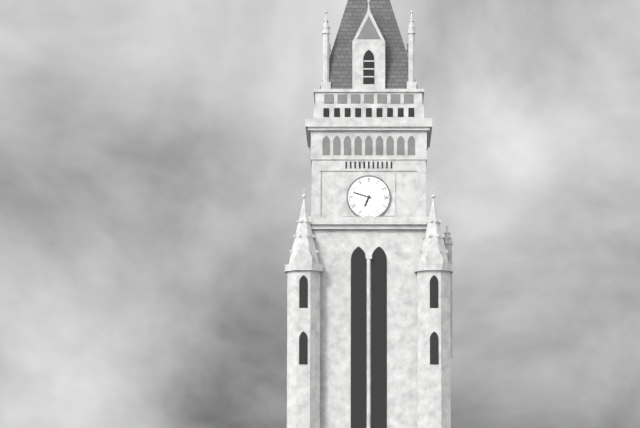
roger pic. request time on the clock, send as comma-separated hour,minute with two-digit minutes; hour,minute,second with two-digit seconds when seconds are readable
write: 6,48
